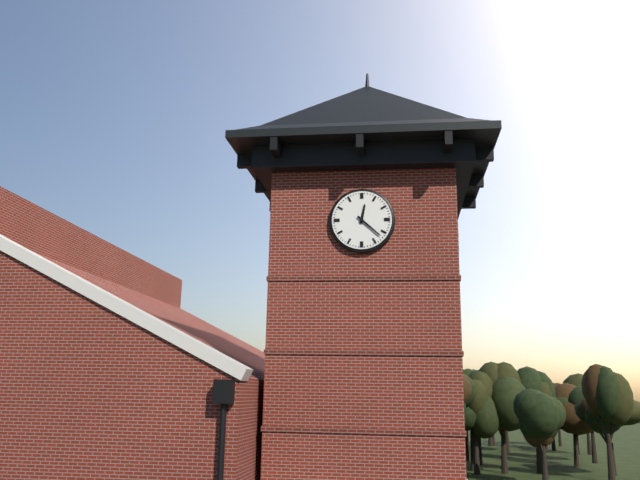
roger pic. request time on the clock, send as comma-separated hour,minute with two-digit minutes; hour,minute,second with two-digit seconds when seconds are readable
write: 12,22
